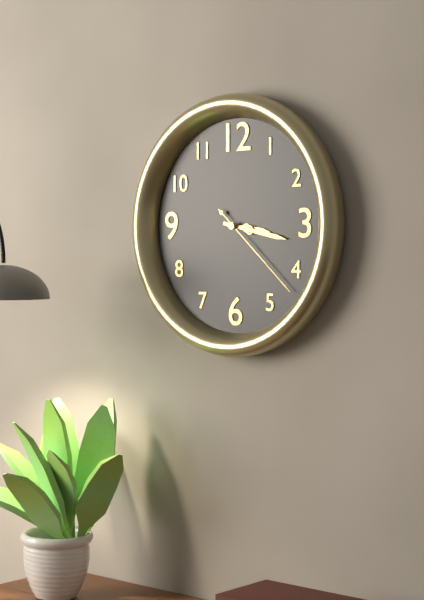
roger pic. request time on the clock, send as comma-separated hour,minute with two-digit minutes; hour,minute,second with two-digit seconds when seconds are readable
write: 3,17,22
